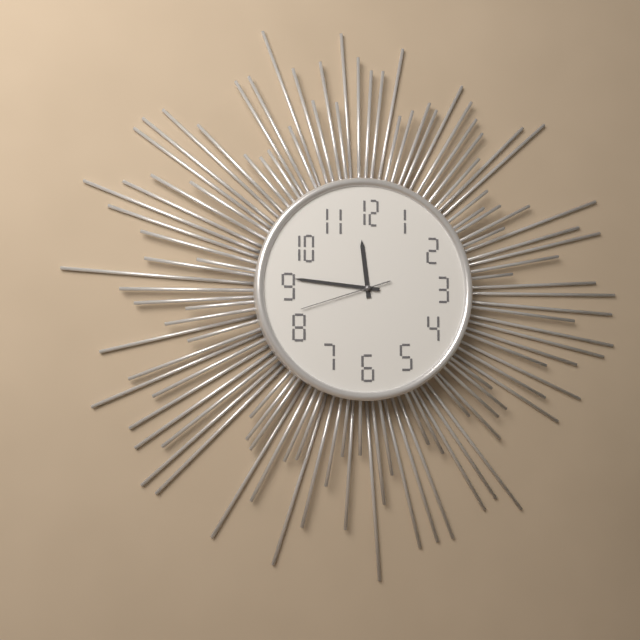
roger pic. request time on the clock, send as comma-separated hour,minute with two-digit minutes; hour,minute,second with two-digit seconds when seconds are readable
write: 11,46,42
